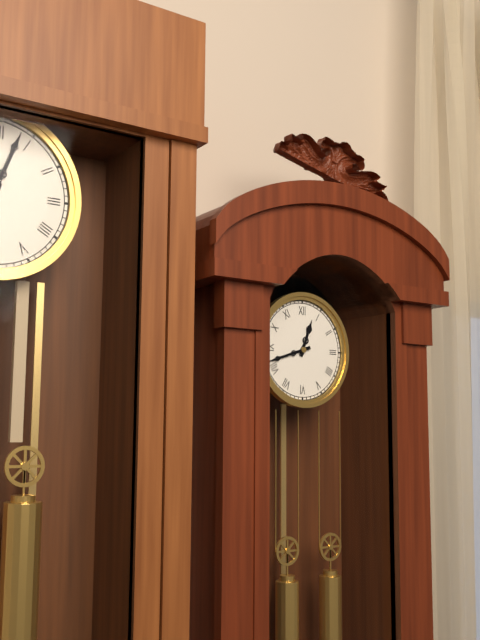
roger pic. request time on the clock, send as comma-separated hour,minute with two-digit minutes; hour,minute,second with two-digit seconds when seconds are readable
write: 12,42
